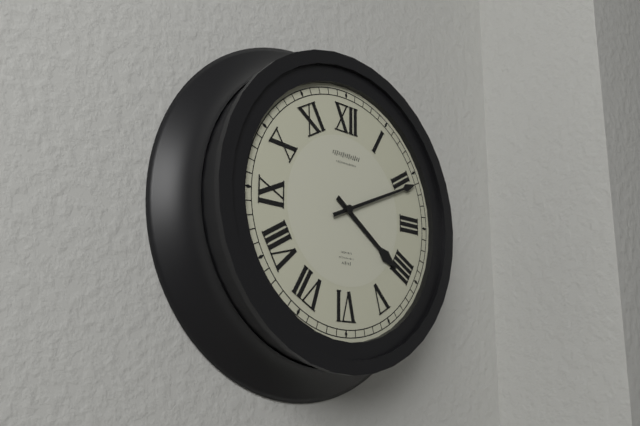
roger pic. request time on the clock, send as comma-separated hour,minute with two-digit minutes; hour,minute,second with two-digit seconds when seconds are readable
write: 4,11
